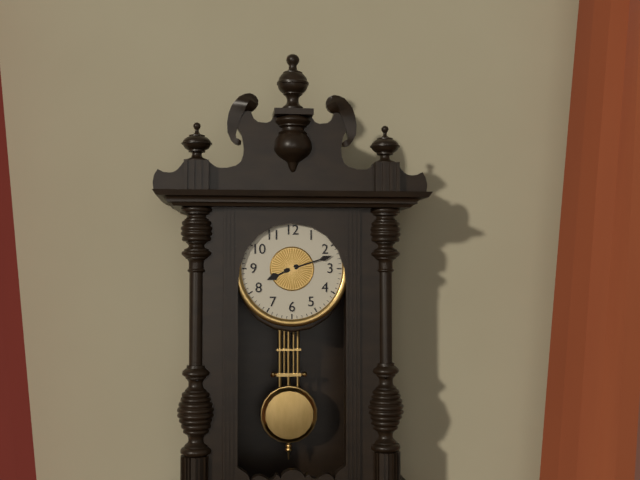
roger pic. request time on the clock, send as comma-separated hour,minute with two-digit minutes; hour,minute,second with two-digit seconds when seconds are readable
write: 8,12
